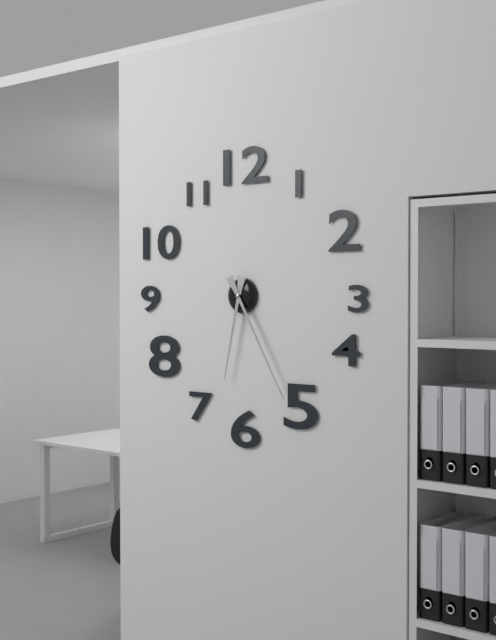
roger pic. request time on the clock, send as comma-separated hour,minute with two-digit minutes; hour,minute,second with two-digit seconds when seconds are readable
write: 6,25
